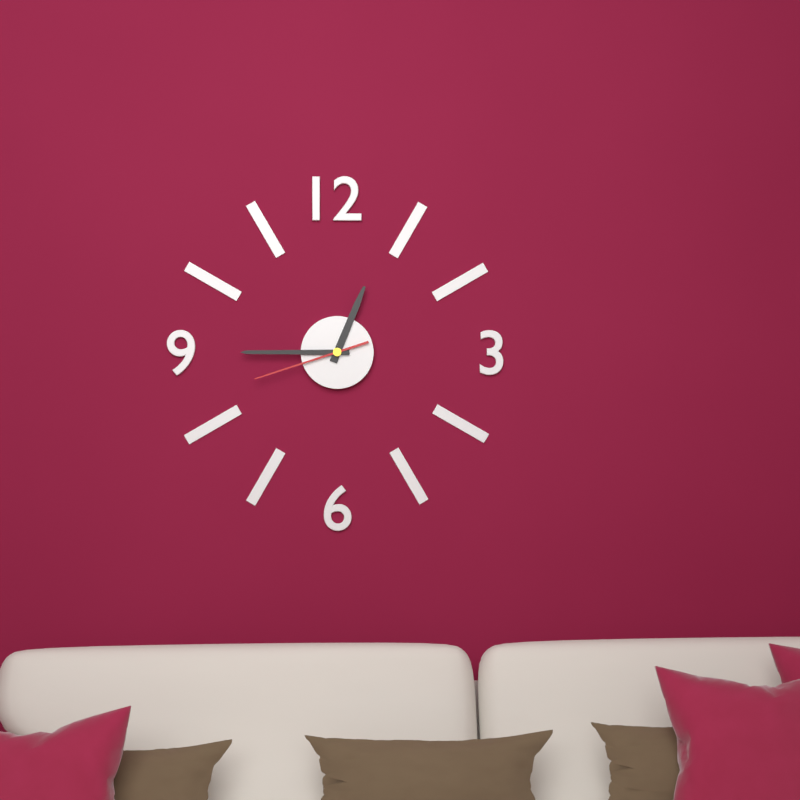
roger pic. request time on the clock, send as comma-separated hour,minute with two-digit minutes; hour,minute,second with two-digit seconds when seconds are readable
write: 12,45,42
